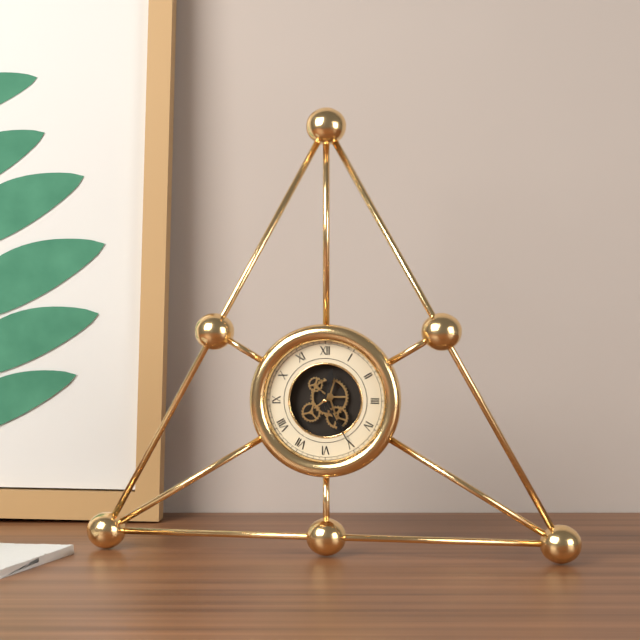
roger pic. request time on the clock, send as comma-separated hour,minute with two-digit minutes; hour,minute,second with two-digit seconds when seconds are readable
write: 12,25
